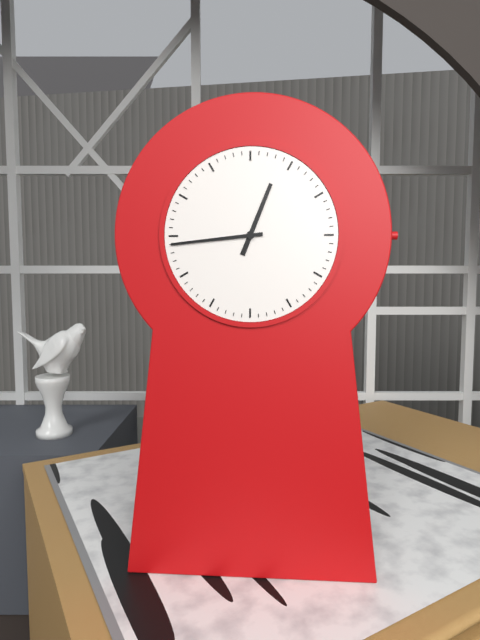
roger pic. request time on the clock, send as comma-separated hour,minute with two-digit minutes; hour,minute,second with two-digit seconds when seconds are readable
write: 12,44
